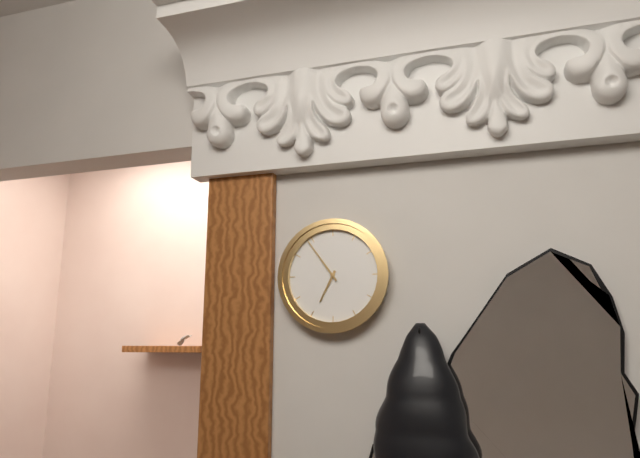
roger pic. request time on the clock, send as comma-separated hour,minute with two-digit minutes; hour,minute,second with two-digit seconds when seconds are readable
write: 6,54
